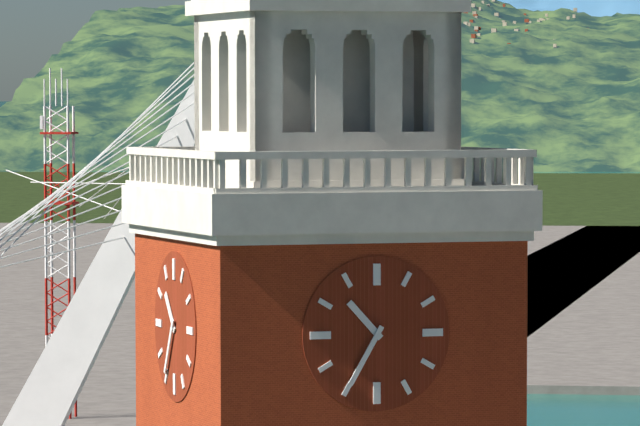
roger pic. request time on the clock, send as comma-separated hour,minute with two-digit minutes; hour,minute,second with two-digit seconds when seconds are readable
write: 10,35
